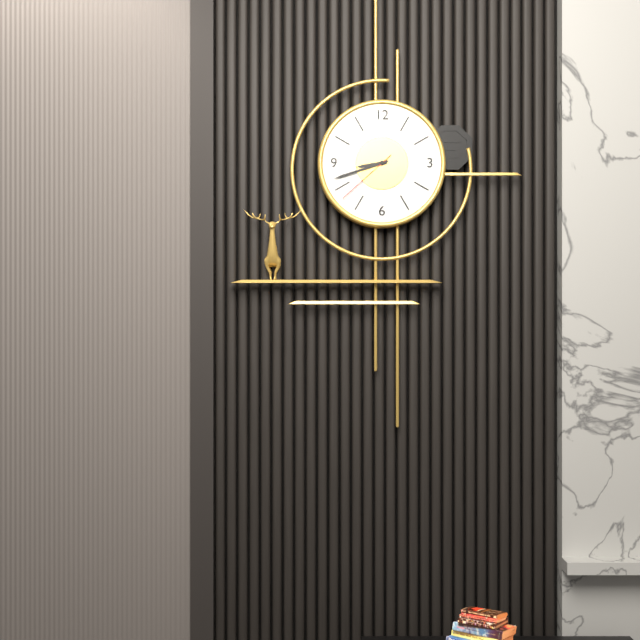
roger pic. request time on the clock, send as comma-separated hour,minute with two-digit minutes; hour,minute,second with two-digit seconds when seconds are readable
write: 8,42,38
